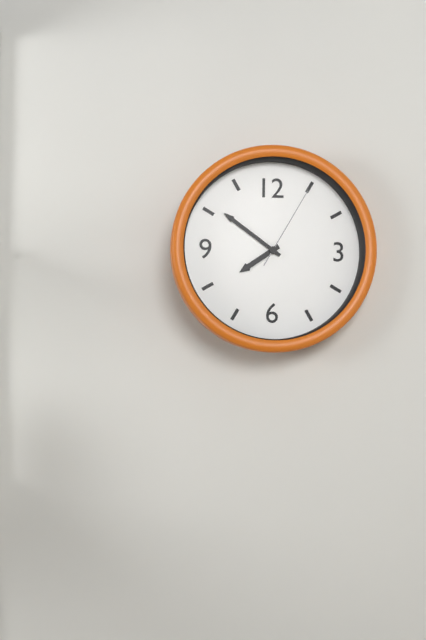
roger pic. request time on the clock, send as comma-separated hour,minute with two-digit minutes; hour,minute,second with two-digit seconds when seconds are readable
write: 7,51,05
